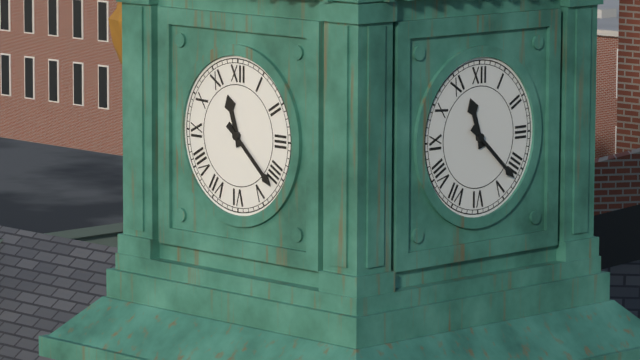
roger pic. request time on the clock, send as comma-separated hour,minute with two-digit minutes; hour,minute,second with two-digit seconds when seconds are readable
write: 11,22
